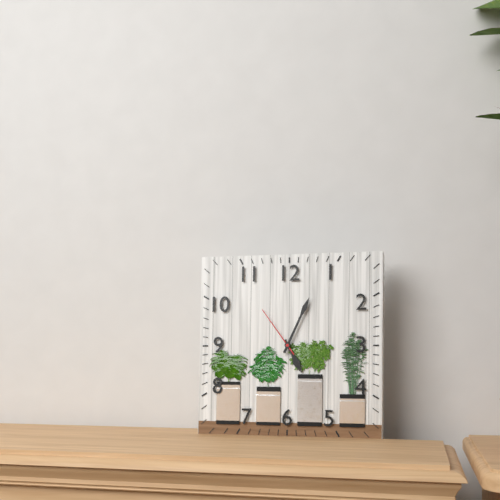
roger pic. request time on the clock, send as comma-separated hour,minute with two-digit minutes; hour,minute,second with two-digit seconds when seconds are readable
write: 5,04,54
